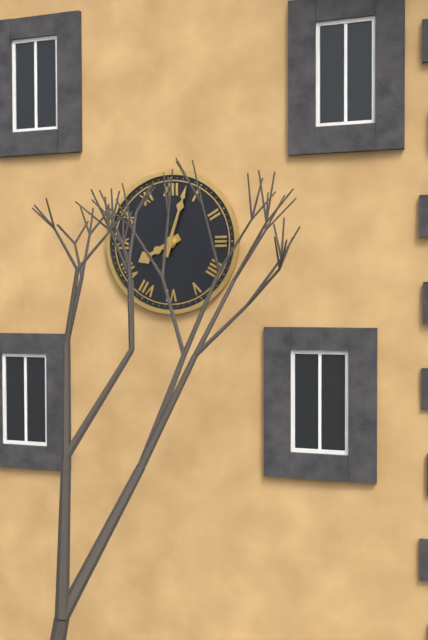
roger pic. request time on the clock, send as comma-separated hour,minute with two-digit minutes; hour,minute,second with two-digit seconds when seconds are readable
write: 8,03
